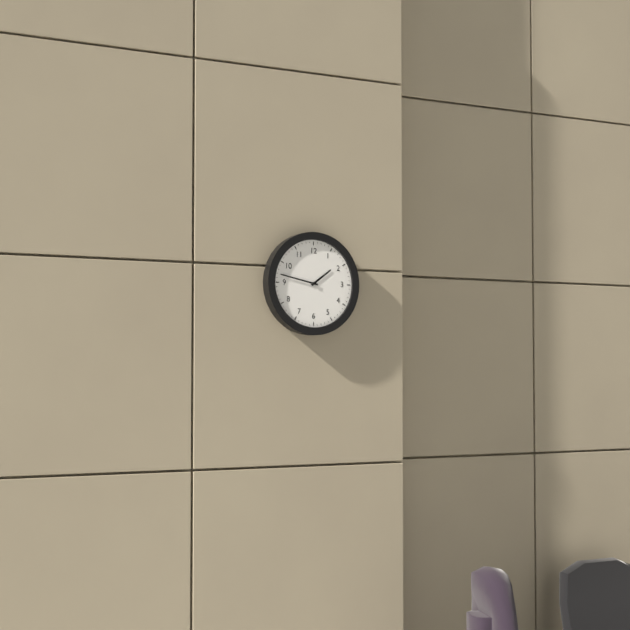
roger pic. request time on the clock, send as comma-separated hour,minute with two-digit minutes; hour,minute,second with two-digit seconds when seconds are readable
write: 1,47
